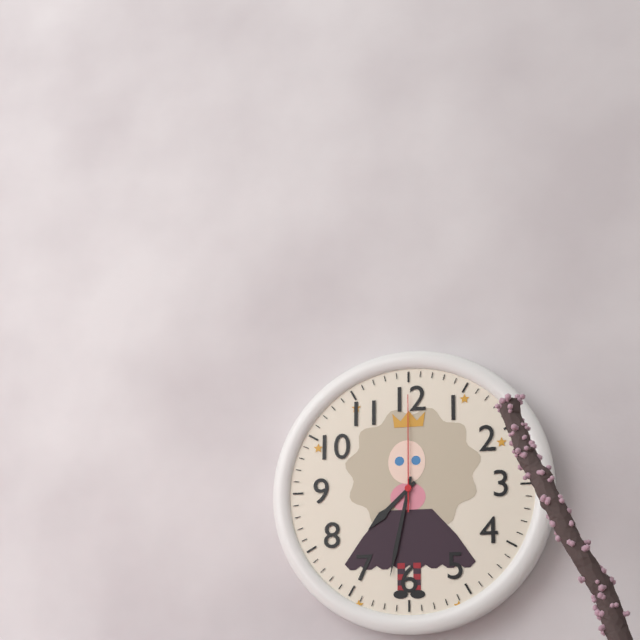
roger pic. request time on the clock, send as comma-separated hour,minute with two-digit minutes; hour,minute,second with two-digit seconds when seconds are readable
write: 7,32,00
